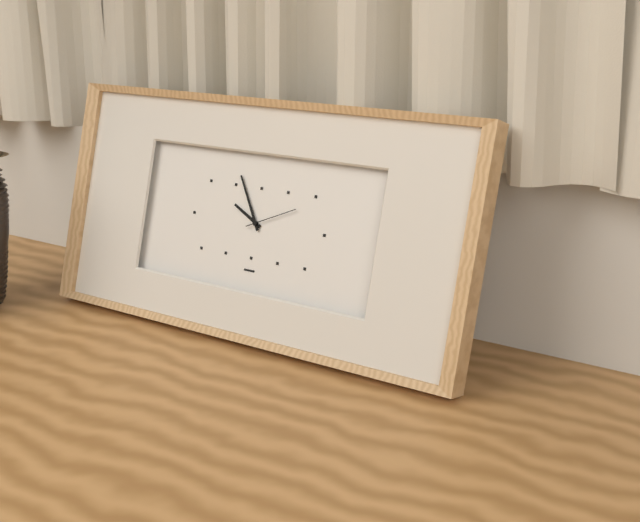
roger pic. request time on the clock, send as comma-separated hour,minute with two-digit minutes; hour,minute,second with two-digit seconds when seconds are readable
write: 9,55,11
